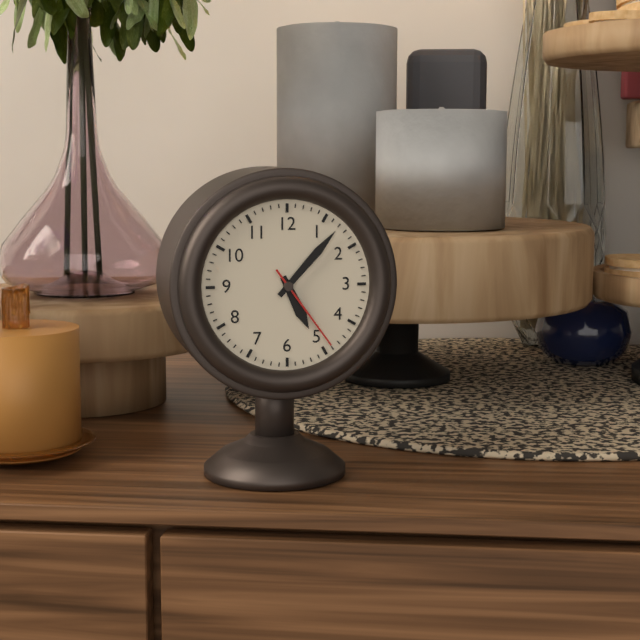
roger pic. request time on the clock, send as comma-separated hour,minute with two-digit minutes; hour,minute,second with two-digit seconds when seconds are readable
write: 5,07,24
